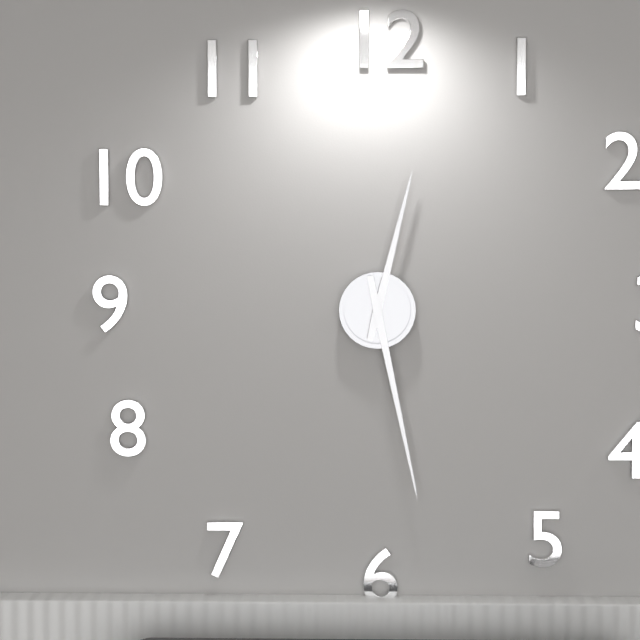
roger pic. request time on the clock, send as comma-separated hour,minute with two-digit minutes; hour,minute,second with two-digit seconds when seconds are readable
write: 12,28
